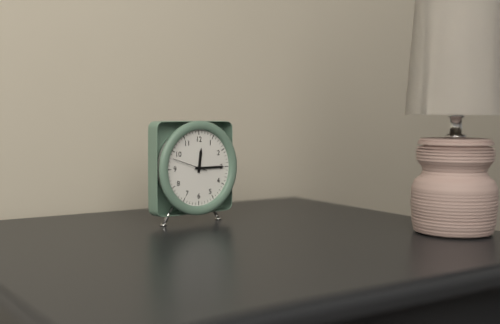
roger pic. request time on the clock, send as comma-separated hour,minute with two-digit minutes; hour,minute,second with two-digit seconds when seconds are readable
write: 12,15
